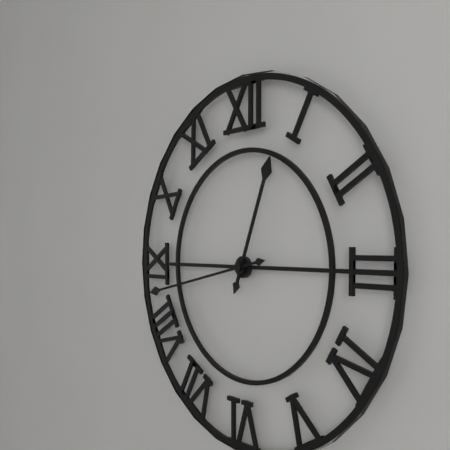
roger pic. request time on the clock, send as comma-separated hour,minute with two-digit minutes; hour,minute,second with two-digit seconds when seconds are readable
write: 12,43
